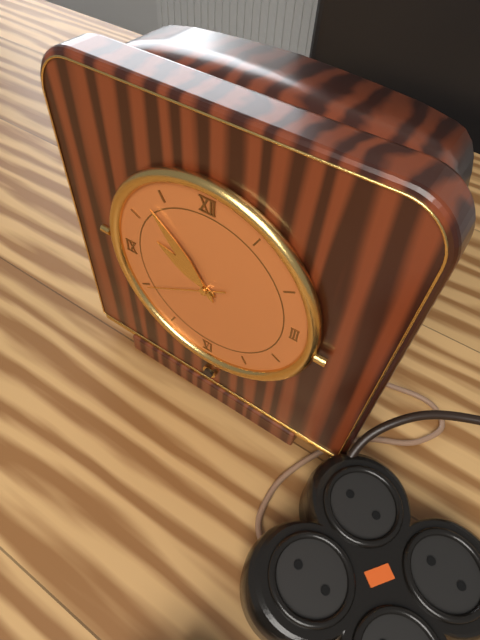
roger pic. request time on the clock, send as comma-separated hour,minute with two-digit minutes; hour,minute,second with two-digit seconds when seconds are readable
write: 9,53,40
